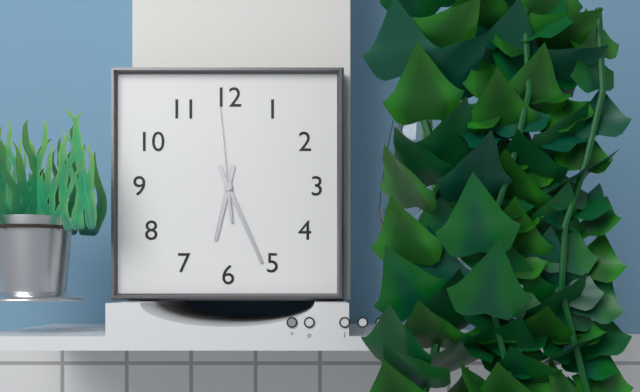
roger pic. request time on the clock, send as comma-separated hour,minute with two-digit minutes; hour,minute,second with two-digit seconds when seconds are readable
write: 6,26,59
